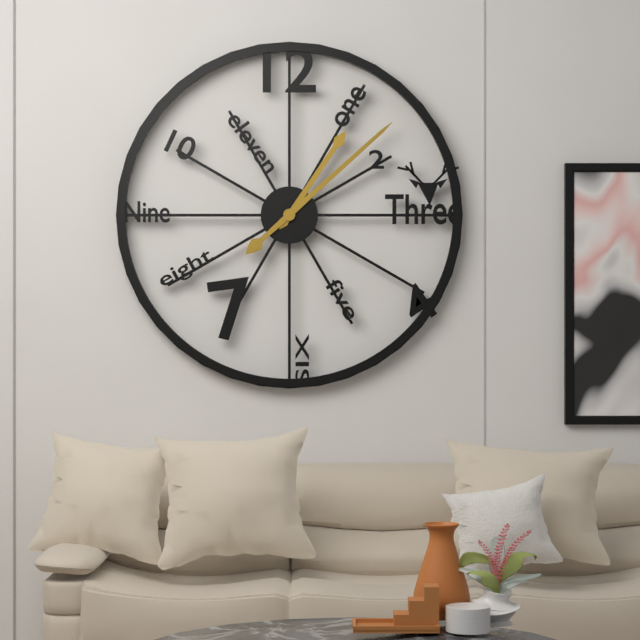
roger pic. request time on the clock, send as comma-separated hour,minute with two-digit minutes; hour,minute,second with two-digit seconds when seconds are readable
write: 1,08
